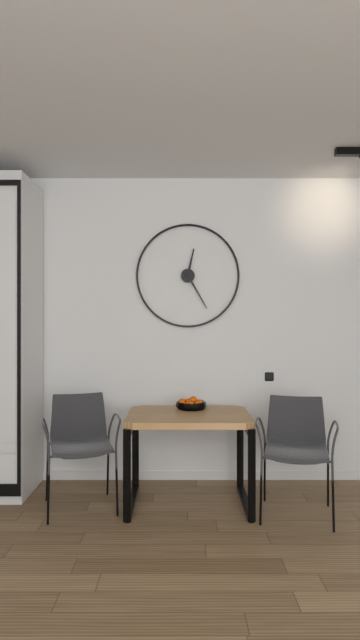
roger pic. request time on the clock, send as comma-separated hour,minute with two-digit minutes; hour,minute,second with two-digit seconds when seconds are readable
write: 12,25
